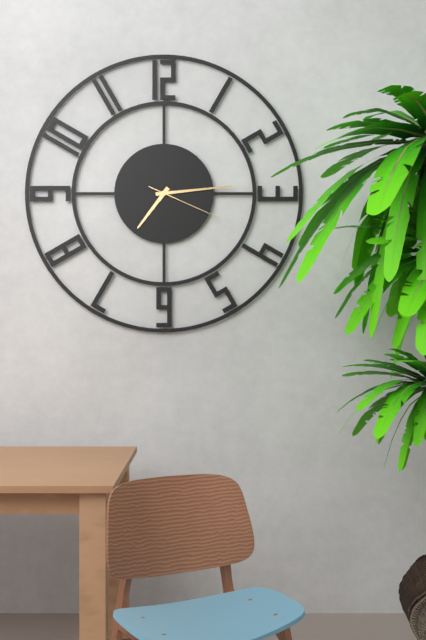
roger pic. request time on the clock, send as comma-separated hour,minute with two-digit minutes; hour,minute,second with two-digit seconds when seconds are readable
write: 7,14,19
